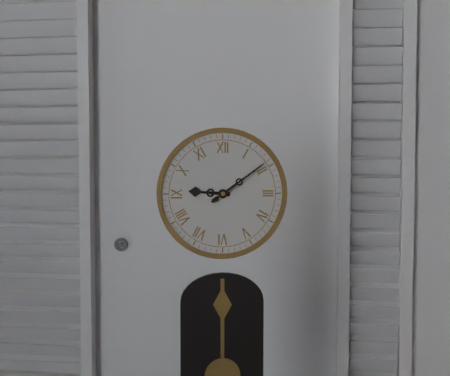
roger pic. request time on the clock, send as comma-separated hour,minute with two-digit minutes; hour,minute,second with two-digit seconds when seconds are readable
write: 9,09
